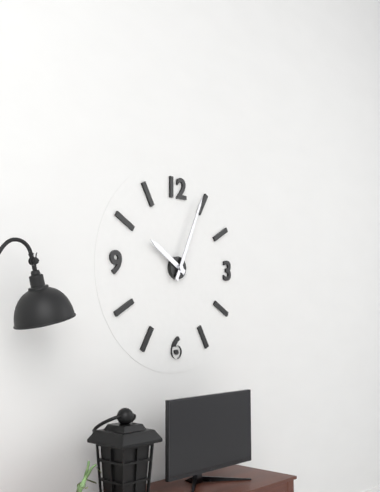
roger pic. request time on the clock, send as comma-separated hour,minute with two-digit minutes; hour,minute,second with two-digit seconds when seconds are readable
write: 10,04
